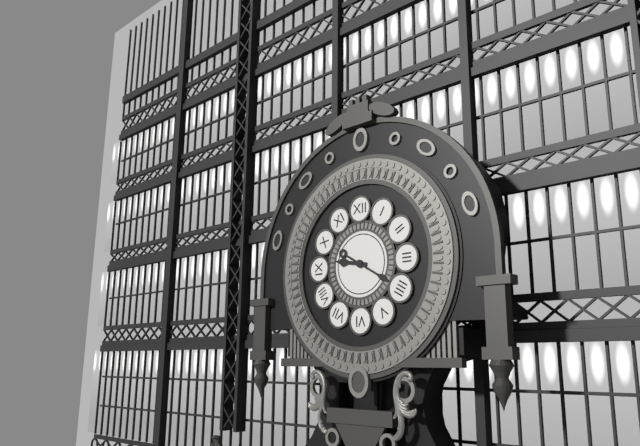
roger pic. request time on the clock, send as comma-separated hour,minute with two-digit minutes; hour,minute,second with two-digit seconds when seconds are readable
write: 9,20
